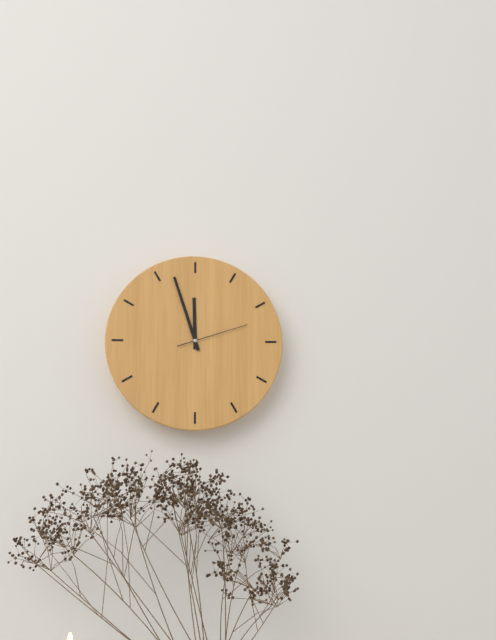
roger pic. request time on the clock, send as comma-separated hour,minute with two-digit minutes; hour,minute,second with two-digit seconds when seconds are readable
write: 11,57,12
